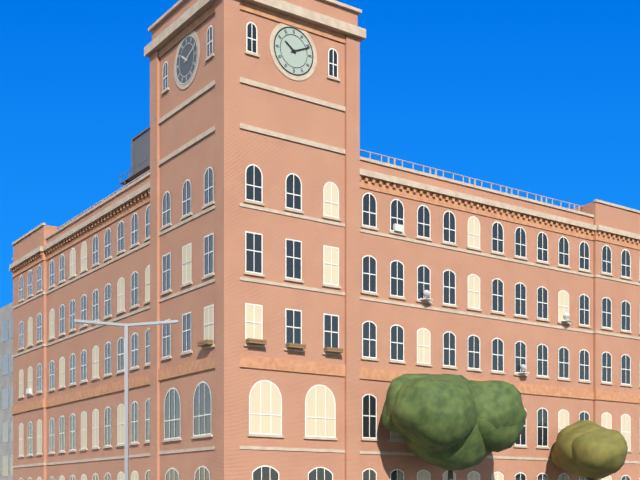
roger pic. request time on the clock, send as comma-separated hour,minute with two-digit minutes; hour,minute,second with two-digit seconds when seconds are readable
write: 10,11
